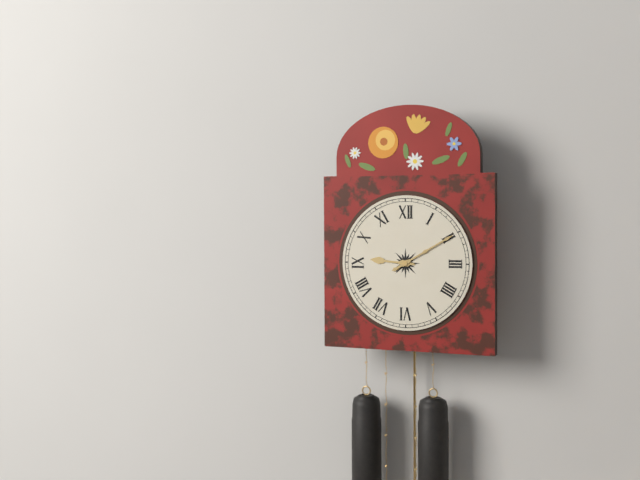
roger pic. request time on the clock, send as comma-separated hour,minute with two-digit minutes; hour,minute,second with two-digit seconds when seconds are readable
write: 9,10
